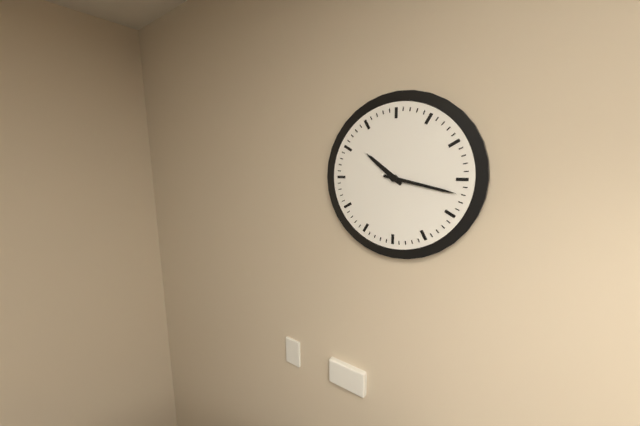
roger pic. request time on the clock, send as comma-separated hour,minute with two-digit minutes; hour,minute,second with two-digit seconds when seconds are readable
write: 10,17
